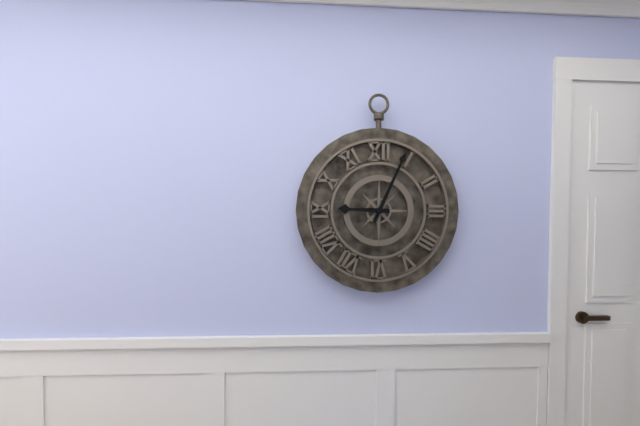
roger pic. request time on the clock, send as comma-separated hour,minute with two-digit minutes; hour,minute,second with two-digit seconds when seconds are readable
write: 9,04
